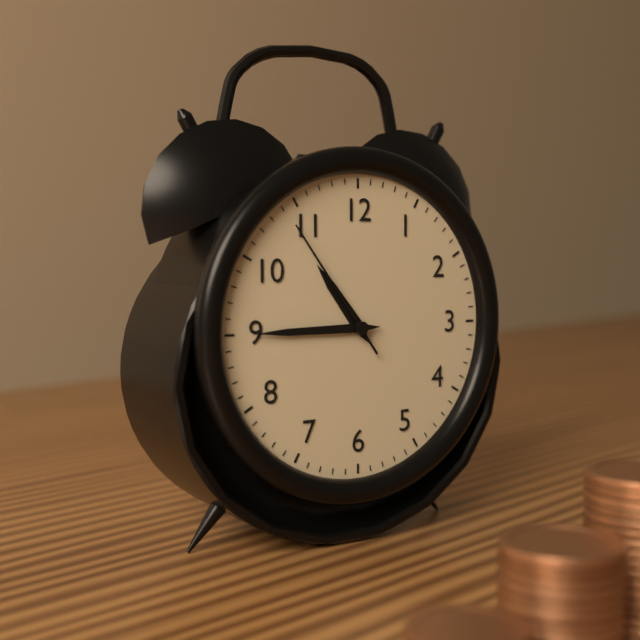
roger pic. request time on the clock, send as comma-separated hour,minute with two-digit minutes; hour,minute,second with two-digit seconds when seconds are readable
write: 10,45,54
